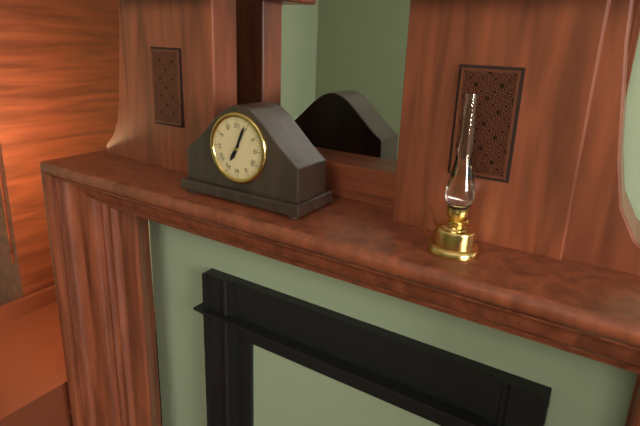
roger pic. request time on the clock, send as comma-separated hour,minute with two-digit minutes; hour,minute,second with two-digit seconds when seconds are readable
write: 7,04
